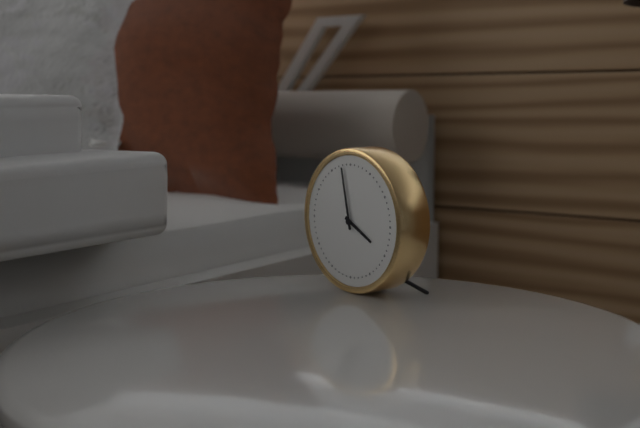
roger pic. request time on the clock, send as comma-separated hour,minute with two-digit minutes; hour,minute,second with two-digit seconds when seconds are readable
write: 3,58
